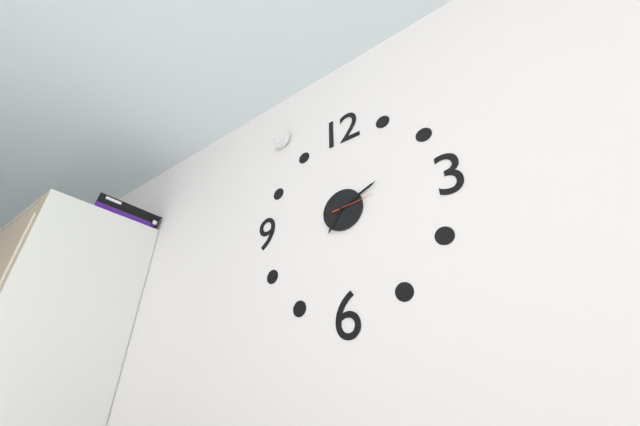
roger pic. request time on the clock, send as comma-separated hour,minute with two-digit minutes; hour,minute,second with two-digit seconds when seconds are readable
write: 7,11
